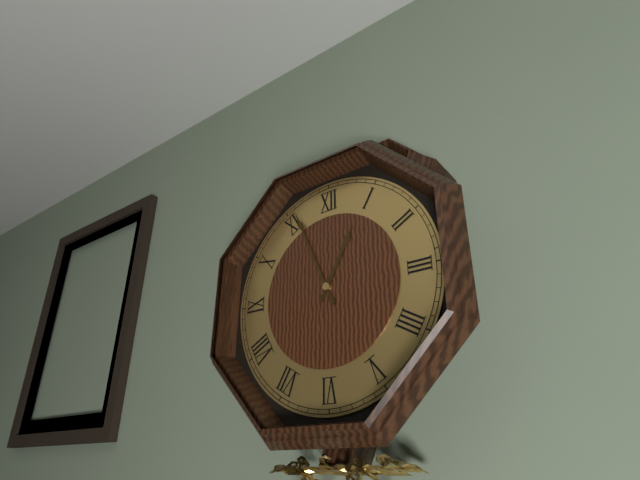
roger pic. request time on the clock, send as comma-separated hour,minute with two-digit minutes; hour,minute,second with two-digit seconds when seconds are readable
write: 12,56
